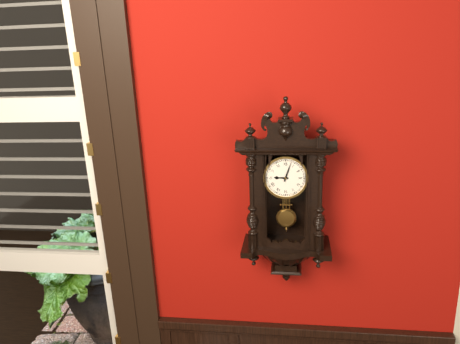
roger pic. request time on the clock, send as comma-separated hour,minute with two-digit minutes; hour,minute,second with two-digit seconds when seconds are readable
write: 9,03
